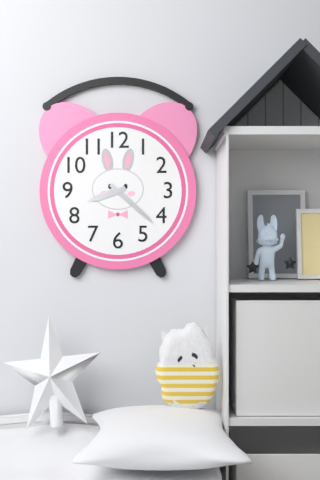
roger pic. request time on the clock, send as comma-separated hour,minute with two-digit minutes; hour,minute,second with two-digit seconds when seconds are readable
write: 8,22
